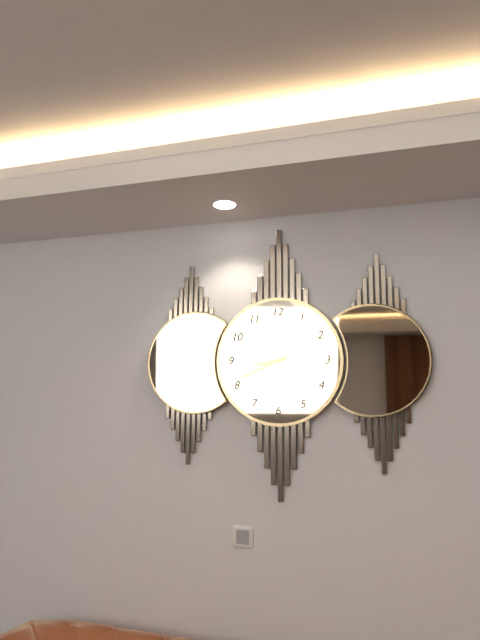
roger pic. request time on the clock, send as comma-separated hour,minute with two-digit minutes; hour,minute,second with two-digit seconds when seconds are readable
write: 8,41
